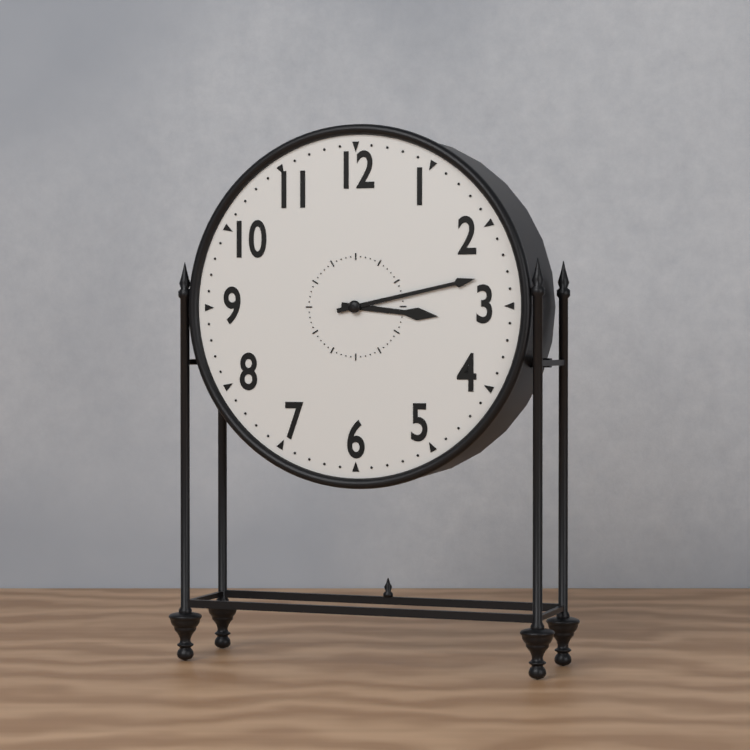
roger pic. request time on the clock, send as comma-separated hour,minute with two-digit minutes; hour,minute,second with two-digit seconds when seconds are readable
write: 3,13
